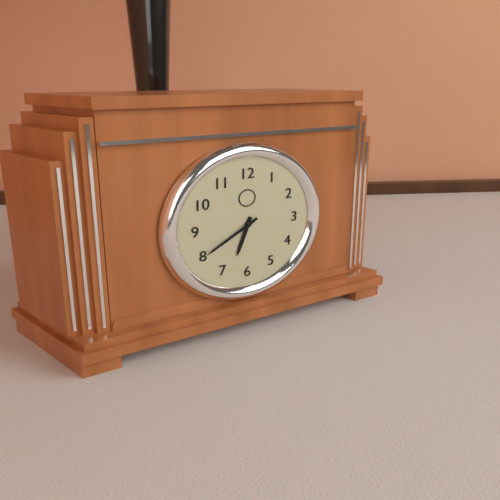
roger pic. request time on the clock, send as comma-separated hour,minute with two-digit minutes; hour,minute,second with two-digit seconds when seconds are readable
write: 6,40
